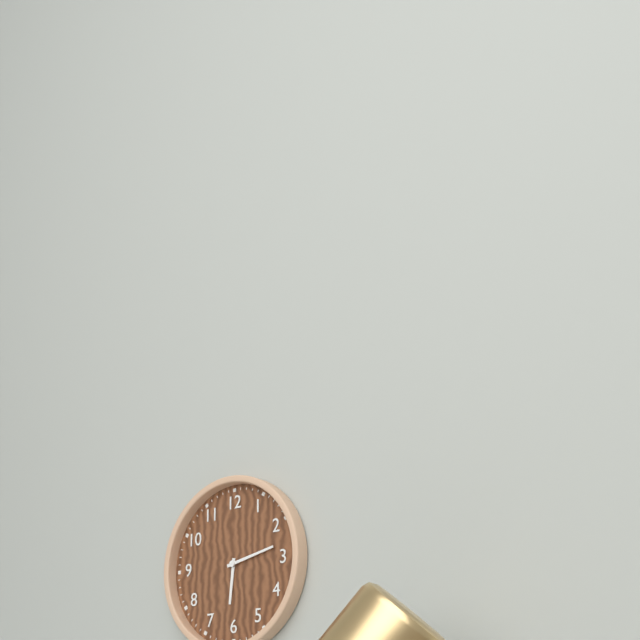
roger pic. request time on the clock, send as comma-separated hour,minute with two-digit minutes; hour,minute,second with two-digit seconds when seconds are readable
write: 6,13
